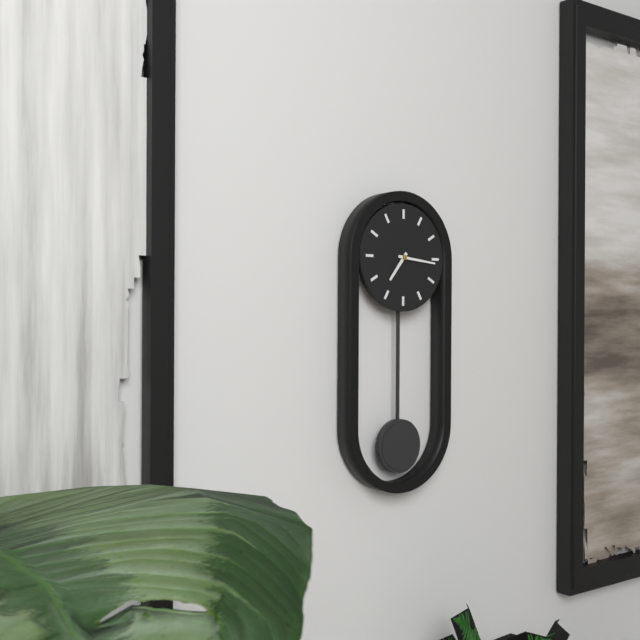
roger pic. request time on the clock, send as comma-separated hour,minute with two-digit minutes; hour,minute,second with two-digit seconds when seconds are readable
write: 7,16
